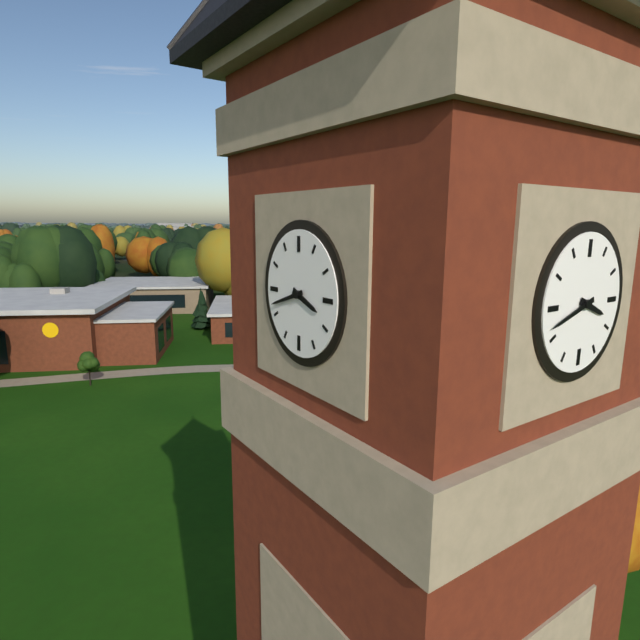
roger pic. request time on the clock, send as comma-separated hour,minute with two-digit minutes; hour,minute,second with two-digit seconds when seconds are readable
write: 3,42
